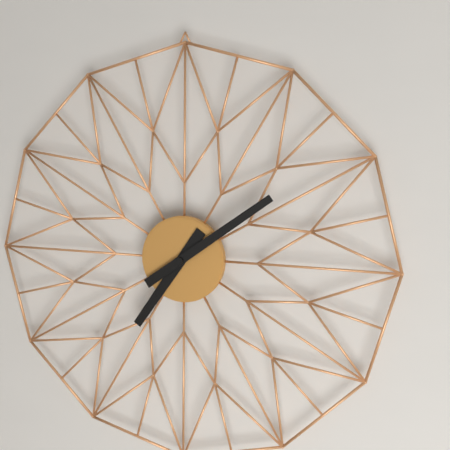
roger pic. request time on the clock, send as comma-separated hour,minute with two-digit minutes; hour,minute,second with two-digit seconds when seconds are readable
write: 7,09
